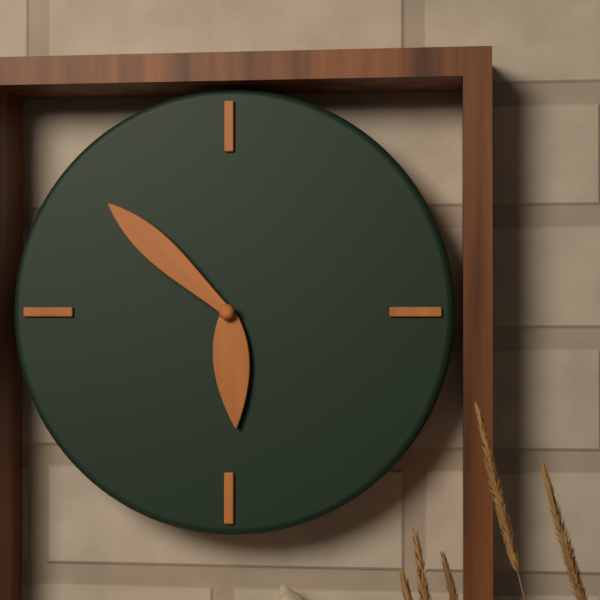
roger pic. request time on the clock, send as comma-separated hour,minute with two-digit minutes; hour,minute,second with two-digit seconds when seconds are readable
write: 5,52
